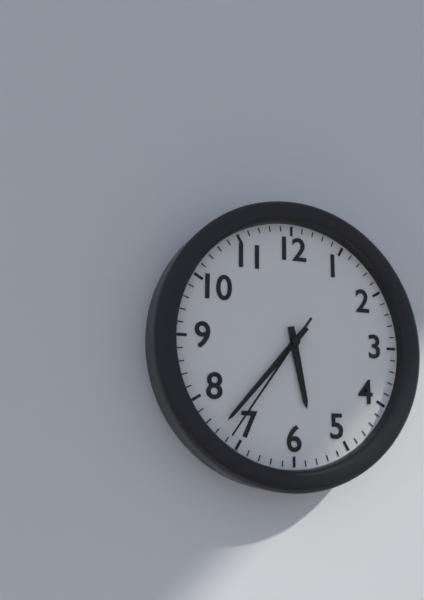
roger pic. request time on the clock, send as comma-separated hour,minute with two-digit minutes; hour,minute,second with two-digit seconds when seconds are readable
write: 5,37,36
